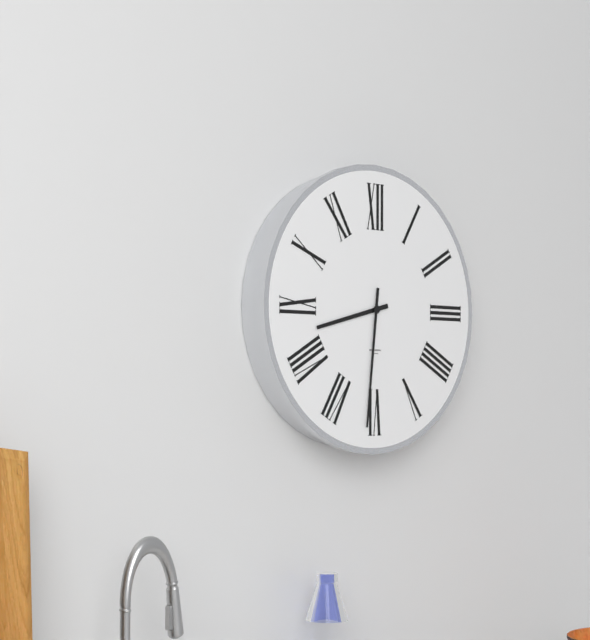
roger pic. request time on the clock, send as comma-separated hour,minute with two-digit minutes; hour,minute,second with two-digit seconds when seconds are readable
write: 8,31
